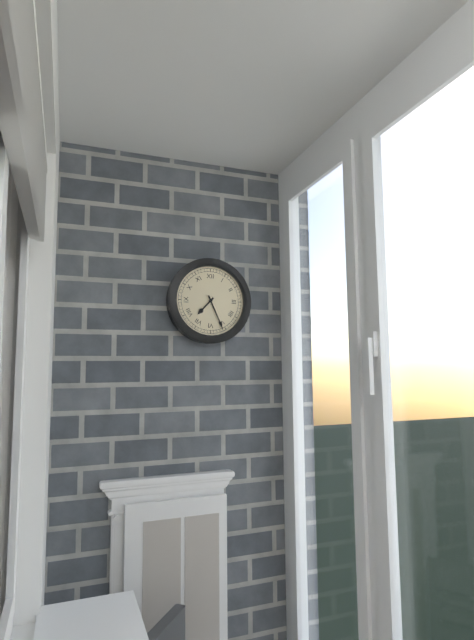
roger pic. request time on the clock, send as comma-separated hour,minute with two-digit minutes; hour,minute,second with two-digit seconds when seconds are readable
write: 7,26
